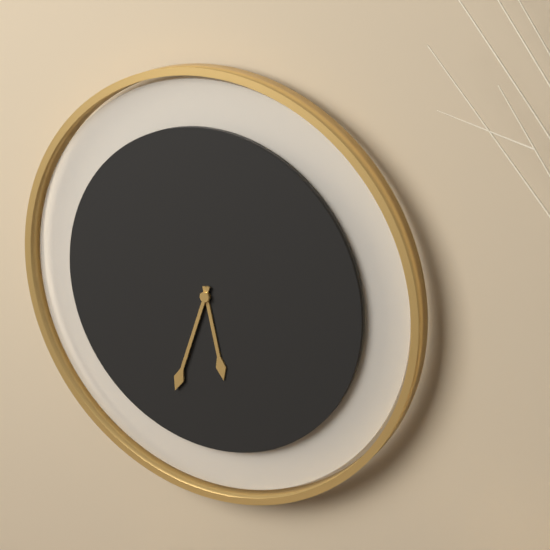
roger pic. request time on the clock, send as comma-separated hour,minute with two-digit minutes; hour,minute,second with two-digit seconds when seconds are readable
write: 5,33
